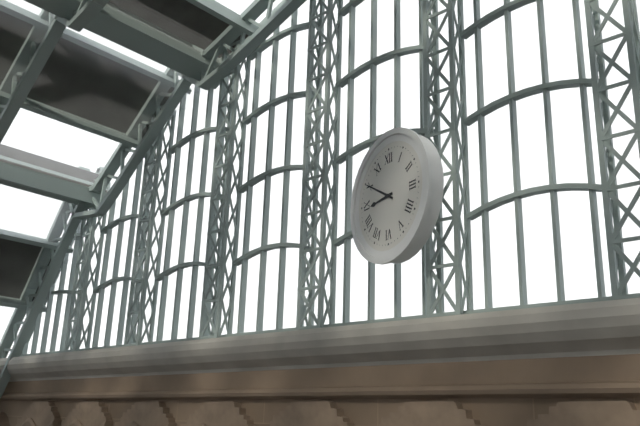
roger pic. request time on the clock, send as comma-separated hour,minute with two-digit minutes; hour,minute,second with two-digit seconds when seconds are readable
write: 8,50
